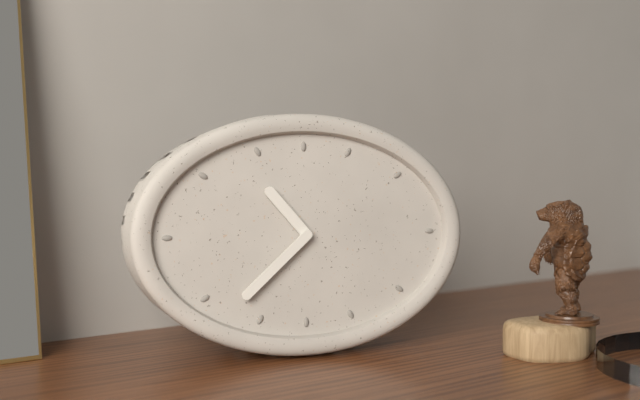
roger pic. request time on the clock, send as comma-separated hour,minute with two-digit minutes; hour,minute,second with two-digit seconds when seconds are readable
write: 10,38
